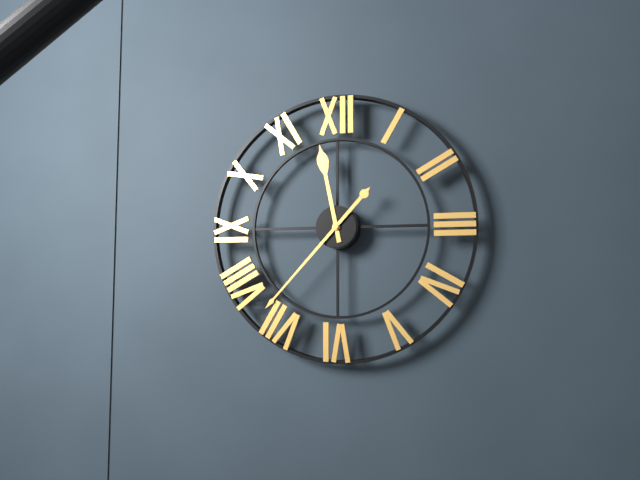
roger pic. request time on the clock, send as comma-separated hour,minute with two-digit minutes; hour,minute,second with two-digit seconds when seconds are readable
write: 11,37
